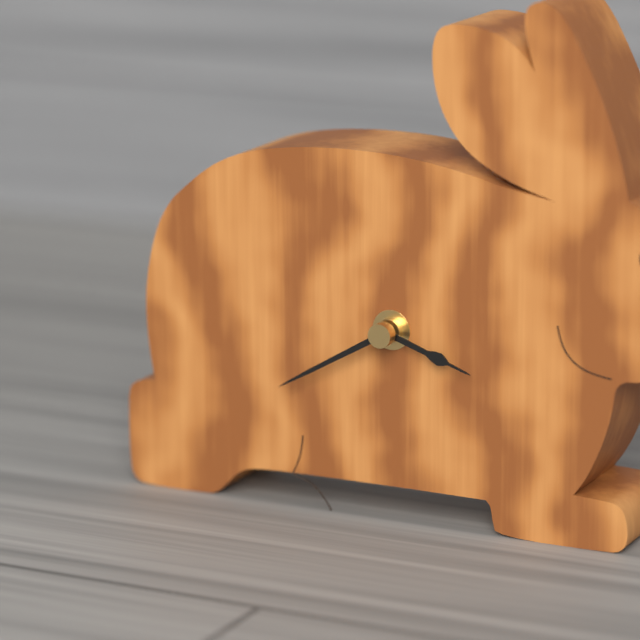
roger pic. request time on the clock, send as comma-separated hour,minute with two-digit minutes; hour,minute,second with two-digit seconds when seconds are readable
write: 3,40
